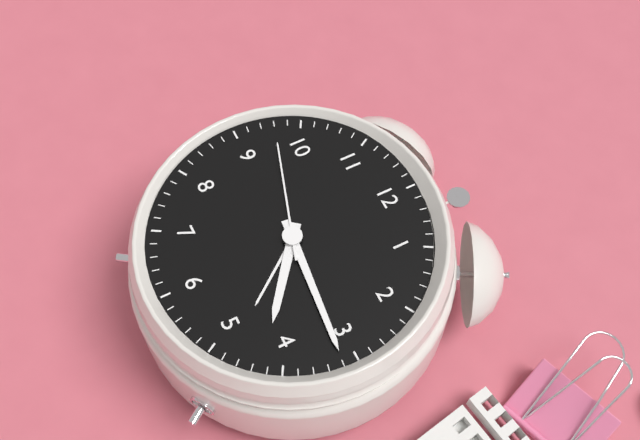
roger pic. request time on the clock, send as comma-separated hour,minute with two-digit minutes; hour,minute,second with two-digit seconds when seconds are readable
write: 4,16,48
